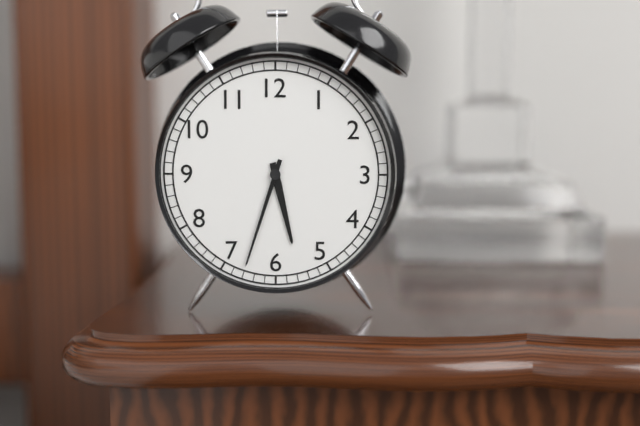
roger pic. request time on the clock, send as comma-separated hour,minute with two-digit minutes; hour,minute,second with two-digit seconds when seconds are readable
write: 5,33
